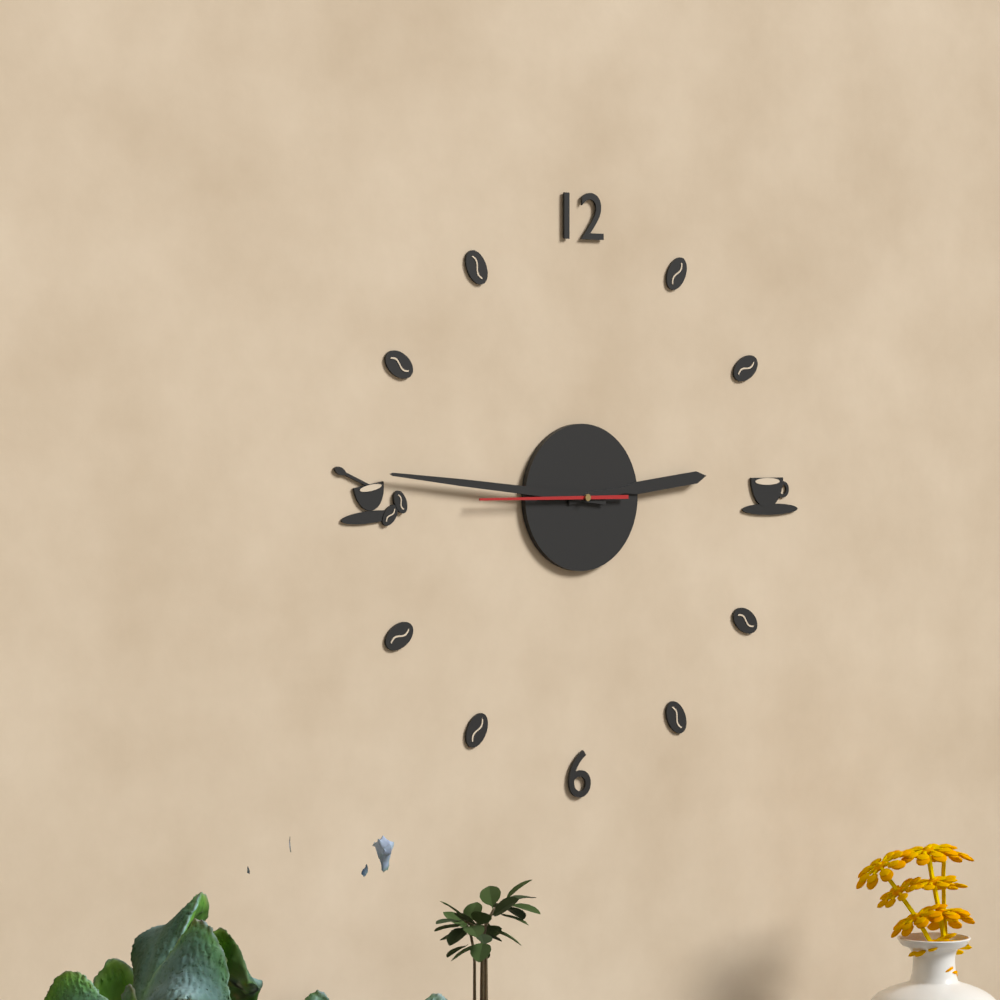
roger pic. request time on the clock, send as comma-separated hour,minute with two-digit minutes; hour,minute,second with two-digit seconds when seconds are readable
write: 2,46,45
